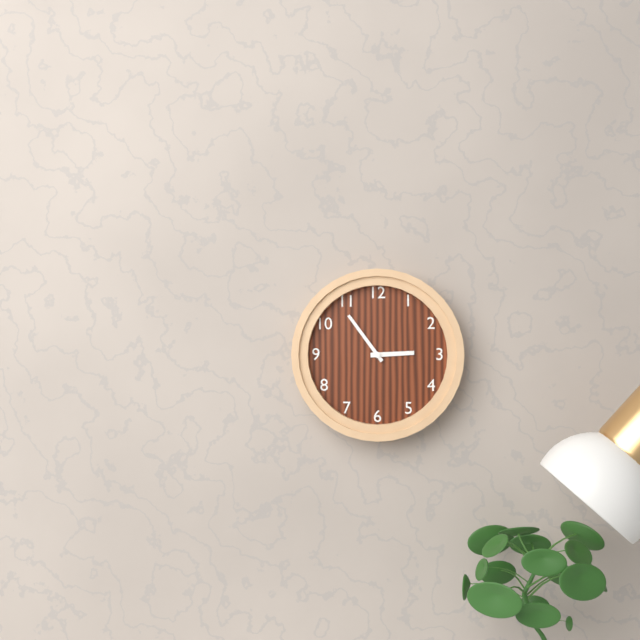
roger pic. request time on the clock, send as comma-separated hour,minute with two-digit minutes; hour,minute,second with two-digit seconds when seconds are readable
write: 2,54
